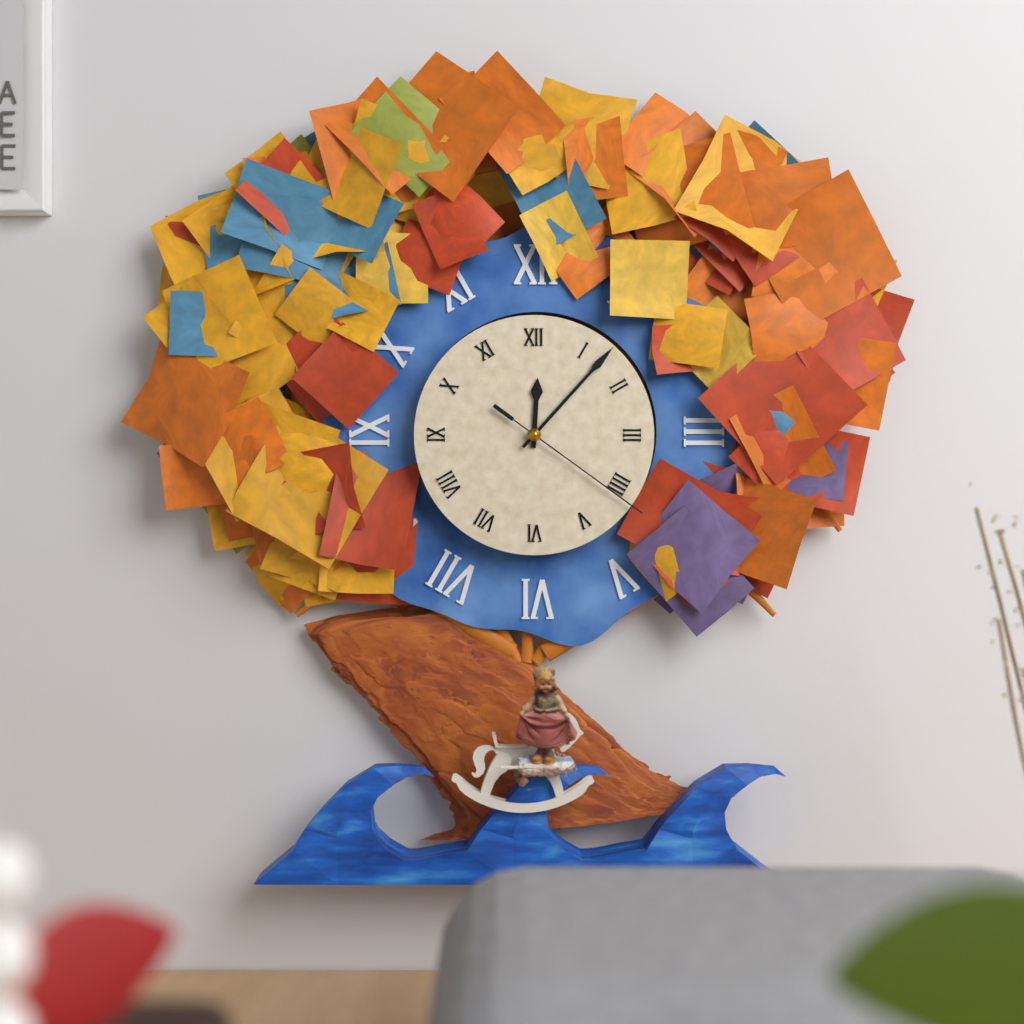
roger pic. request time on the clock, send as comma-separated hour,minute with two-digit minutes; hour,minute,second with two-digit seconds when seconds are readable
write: 12,07,21
